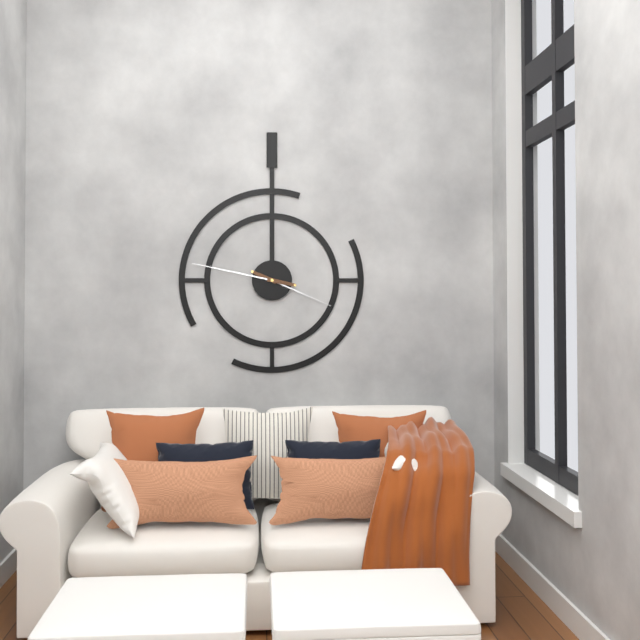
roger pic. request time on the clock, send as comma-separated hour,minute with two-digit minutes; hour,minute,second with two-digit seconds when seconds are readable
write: 3,47
